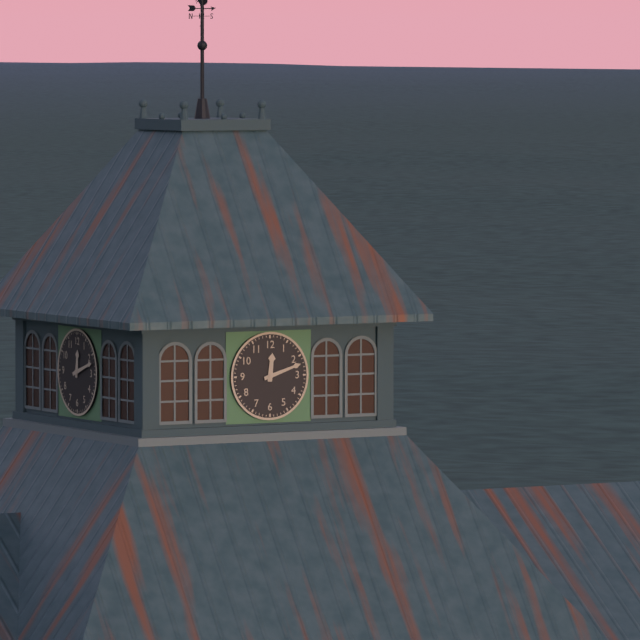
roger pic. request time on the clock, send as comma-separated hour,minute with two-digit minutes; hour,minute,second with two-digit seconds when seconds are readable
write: 12,12
